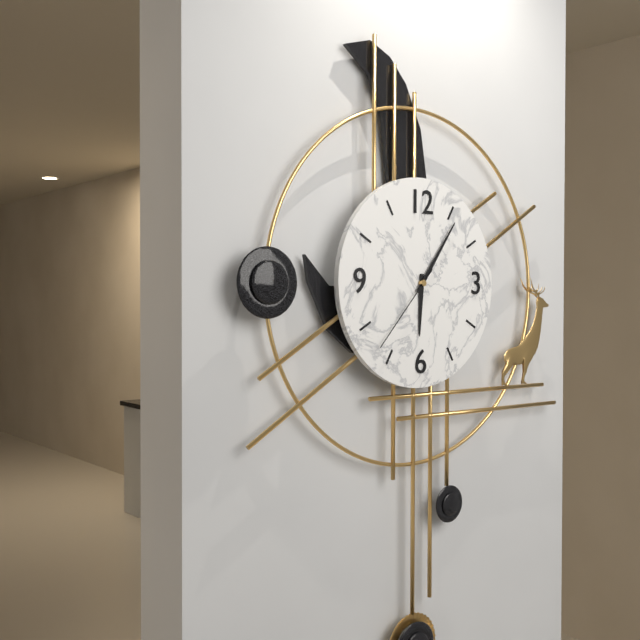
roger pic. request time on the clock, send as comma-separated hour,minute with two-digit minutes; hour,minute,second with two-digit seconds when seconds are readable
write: 6,06,37
